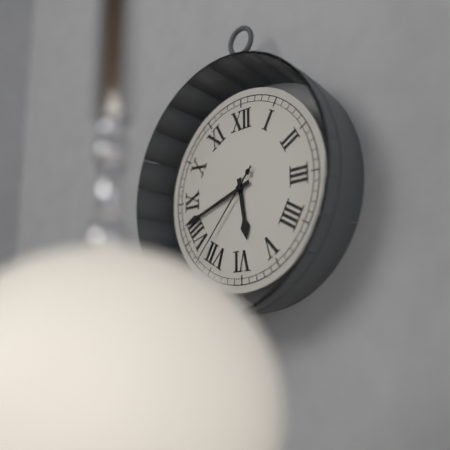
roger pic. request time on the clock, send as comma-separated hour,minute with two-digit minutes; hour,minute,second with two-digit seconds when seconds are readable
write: 5,42,37
